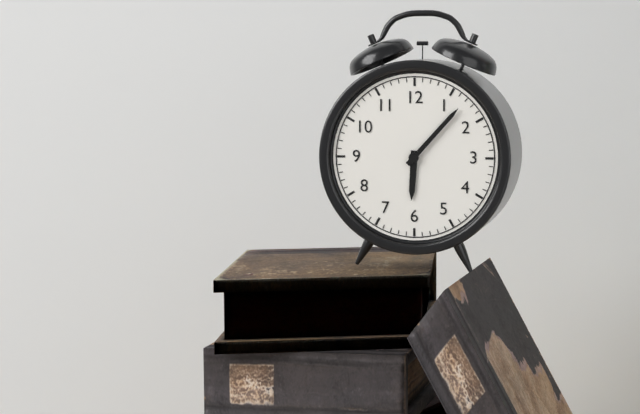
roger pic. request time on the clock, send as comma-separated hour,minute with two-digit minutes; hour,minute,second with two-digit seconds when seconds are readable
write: 6,07
